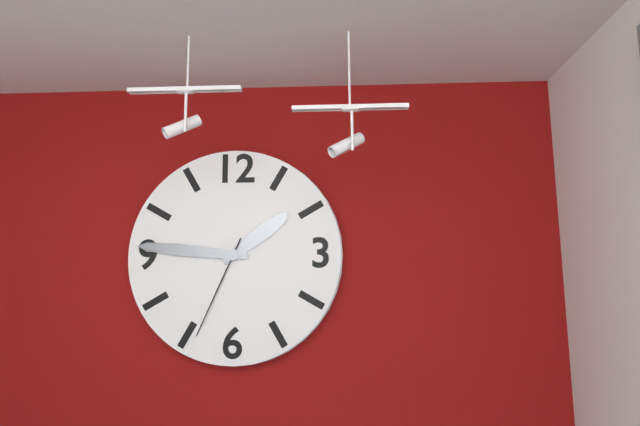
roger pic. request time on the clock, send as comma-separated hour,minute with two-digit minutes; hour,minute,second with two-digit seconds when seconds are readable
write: 1,46,34
